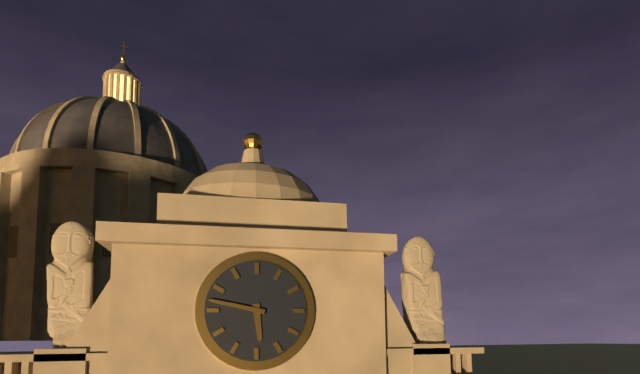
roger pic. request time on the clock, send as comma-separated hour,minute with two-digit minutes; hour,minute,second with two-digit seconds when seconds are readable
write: 5,47
